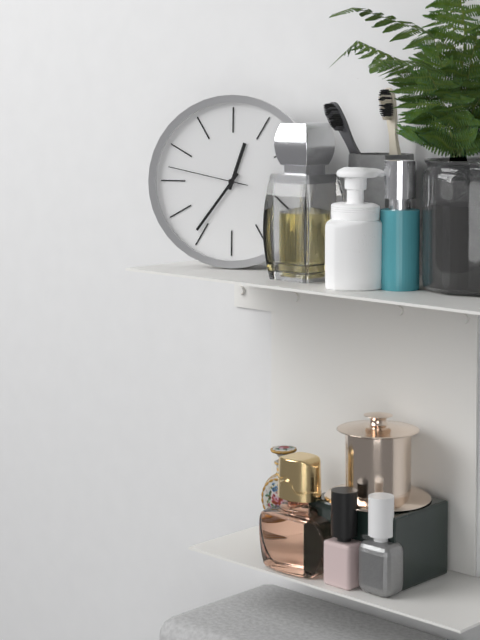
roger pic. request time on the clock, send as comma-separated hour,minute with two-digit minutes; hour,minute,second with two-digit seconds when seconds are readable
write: 12,36,47
